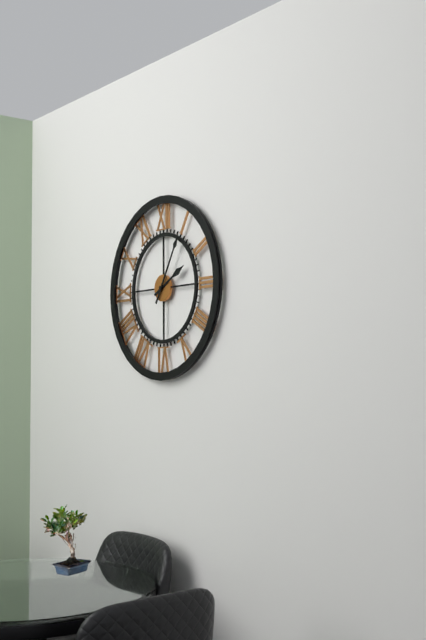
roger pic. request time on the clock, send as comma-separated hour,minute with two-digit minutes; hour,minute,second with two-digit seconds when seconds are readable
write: 2,05
